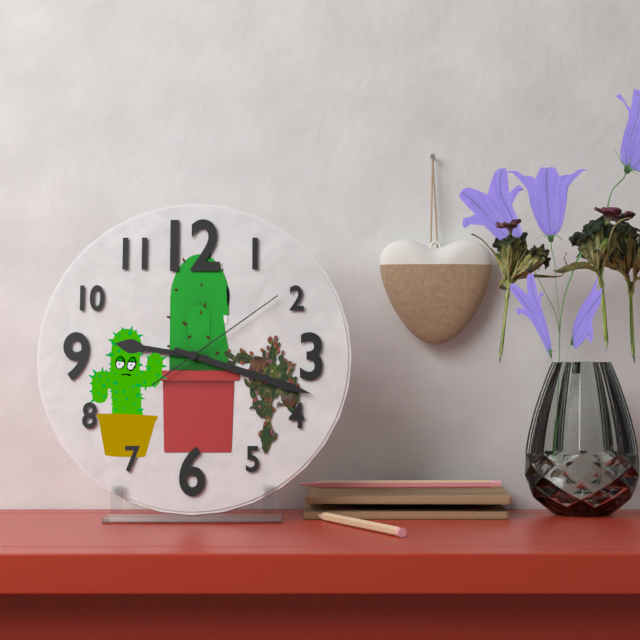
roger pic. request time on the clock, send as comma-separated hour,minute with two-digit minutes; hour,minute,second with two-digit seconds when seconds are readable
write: 9,18,09
